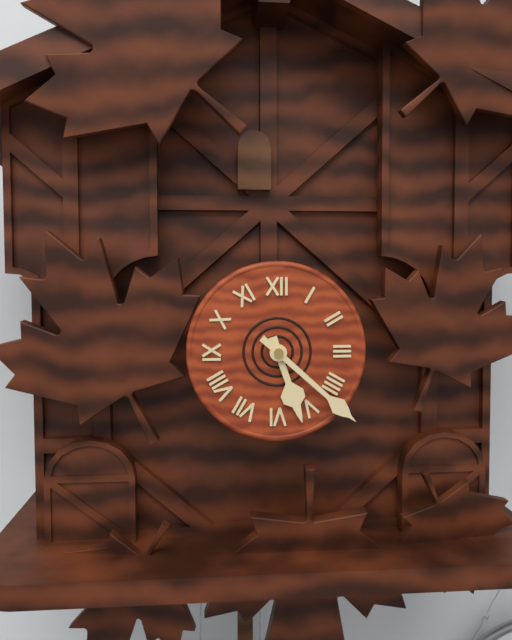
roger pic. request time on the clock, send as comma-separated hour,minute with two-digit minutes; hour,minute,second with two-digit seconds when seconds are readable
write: 5,22
